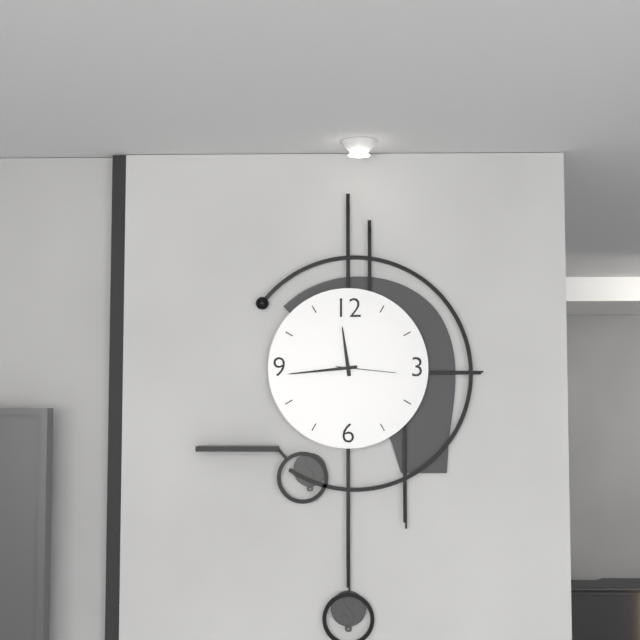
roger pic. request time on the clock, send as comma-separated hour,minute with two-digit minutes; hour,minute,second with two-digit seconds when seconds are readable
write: 11,44,16
